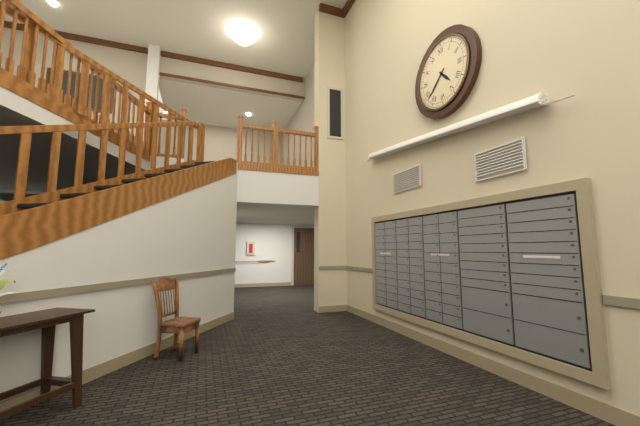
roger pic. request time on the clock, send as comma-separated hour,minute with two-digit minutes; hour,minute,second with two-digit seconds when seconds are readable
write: 4,38
